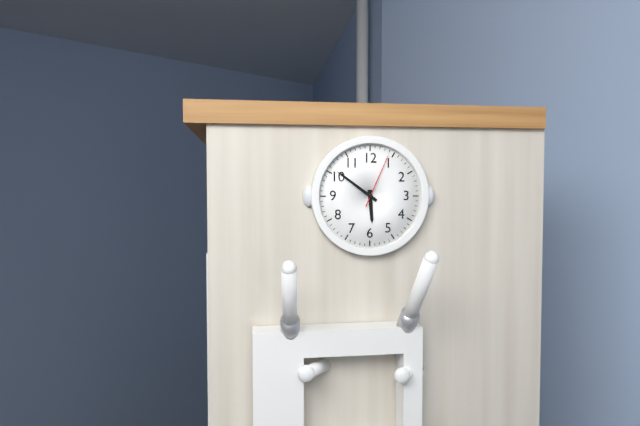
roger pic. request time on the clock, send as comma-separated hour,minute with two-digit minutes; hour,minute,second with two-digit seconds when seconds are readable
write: 5,51,04
